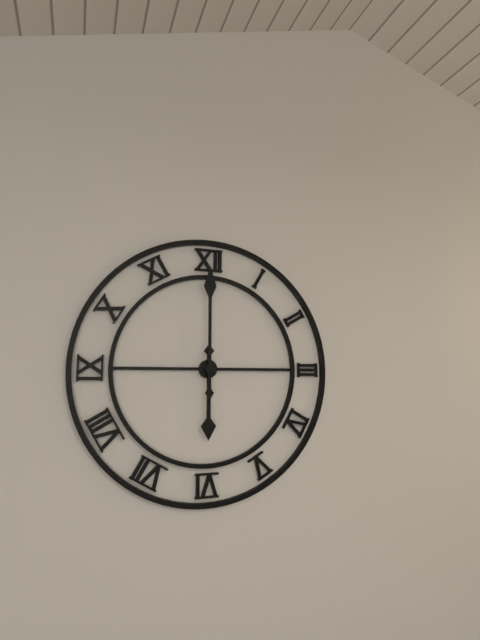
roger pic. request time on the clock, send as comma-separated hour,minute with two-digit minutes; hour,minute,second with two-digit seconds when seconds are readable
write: 6,00
